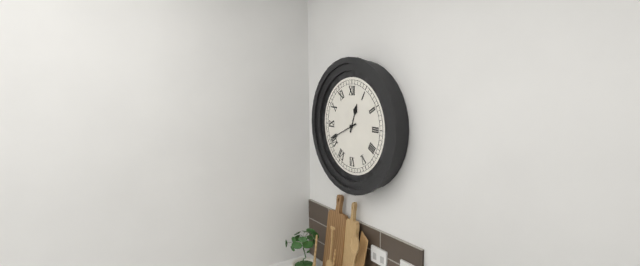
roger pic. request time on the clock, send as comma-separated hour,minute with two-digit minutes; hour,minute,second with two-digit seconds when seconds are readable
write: 12,41
